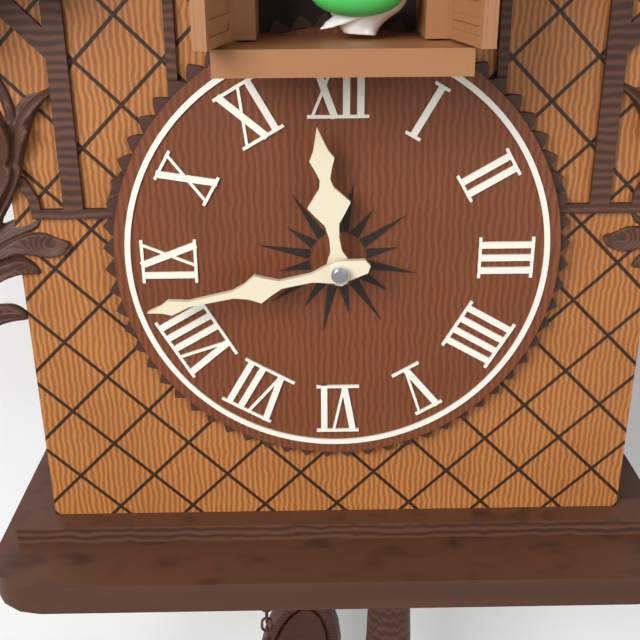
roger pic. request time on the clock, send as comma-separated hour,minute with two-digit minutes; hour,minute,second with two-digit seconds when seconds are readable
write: 11,43
